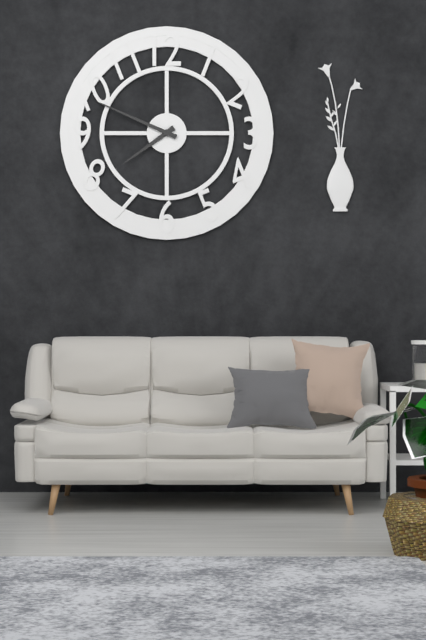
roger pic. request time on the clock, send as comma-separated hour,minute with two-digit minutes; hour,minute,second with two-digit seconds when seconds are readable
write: 7,49
